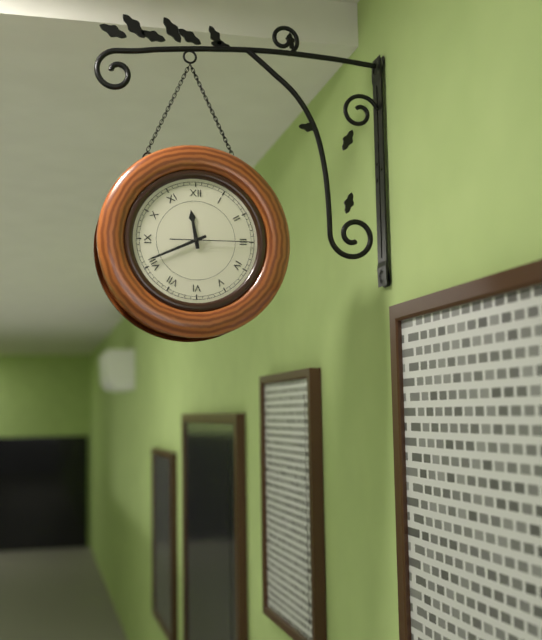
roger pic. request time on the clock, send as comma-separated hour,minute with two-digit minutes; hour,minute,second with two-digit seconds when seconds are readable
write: 11,41,15
